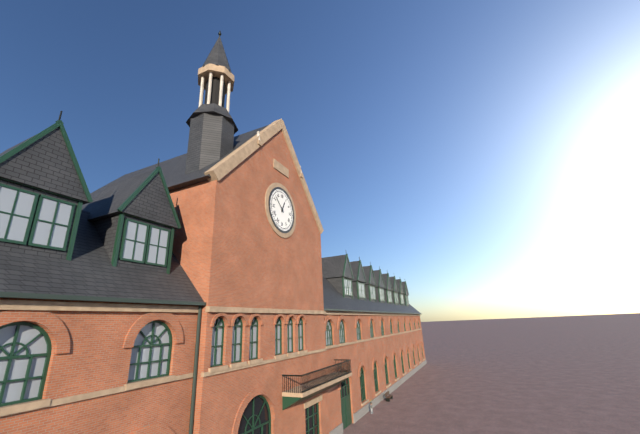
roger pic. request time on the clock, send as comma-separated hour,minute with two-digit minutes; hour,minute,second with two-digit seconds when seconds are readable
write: 12,52
